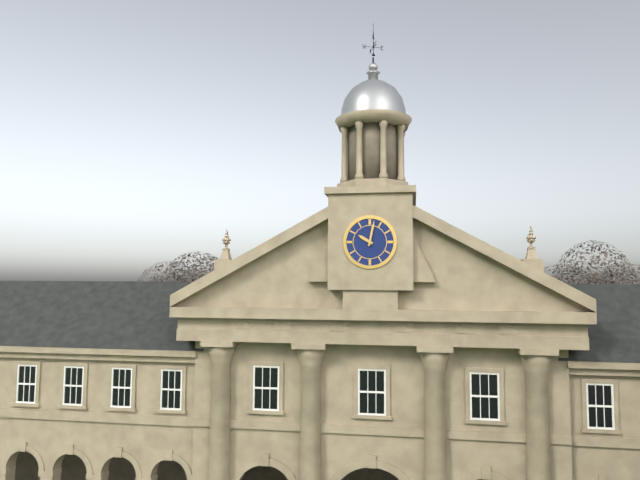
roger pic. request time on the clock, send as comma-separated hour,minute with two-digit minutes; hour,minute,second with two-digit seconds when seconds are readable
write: 10,02
